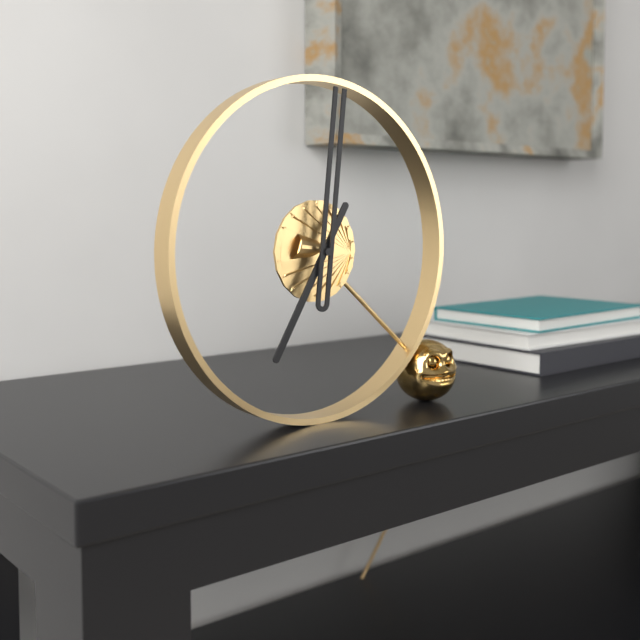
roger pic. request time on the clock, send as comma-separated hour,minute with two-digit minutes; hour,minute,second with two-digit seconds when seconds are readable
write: 7,01
